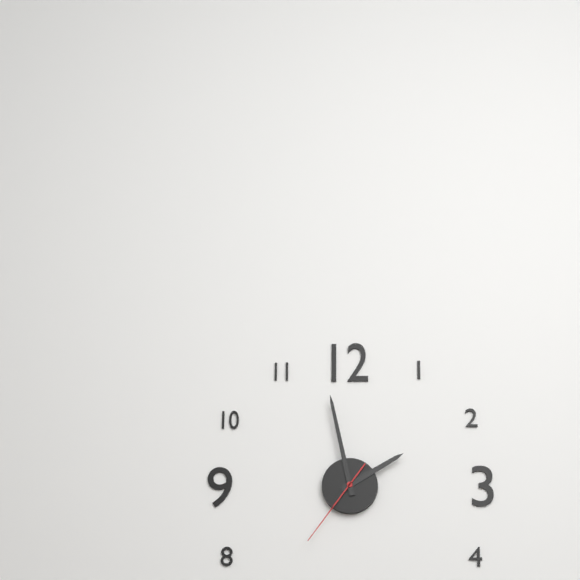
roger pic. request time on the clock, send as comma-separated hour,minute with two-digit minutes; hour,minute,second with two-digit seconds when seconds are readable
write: 1,58,36
